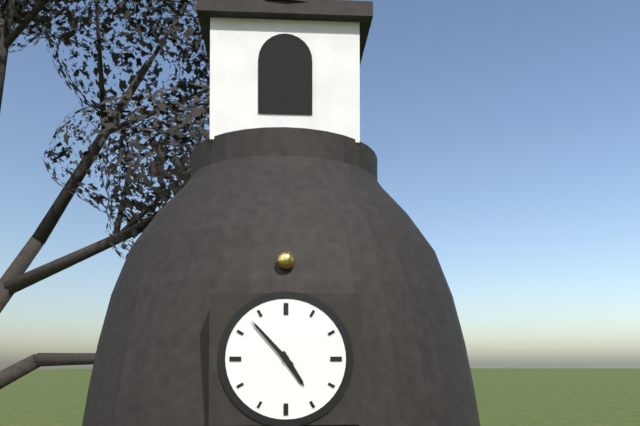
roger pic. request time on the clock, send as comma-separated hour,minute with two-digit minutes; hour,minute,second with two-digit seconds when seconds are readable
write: 4,53
